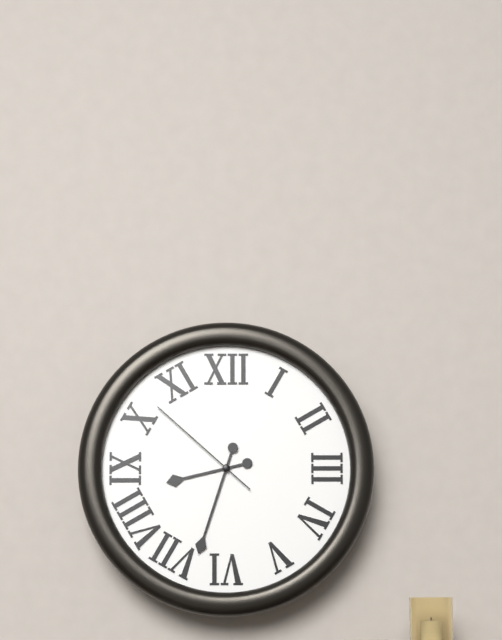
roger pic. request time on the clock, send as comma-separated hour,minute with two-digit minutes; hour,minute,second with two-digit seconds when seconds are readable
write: 8,33,52
